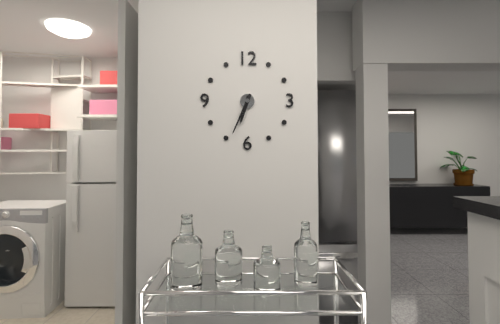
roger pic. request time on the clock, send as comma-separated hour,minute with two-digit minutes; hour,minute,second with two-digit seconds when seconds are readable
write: 6,34
